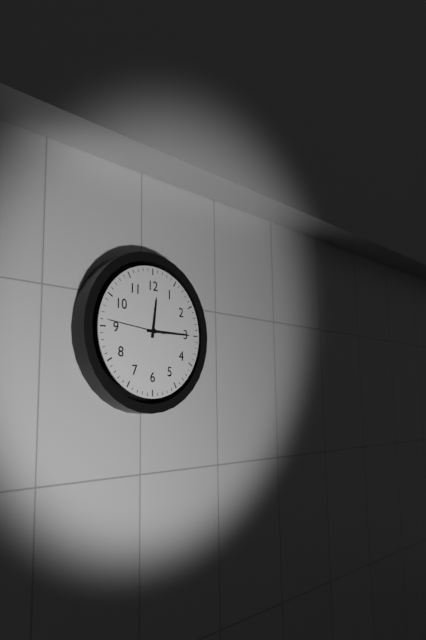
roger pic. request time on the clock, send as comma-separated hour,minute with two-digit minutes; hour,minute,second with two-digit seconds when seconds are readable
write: 12,15,46
